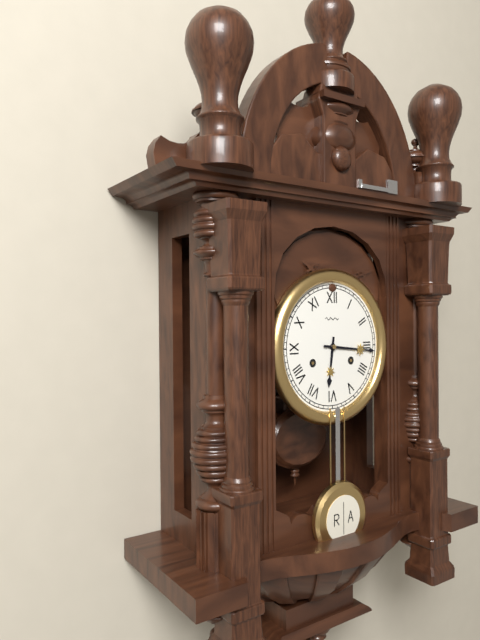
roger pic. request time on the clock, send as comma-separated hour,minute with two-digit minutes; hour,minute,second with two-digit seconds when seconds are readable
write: 6,16
